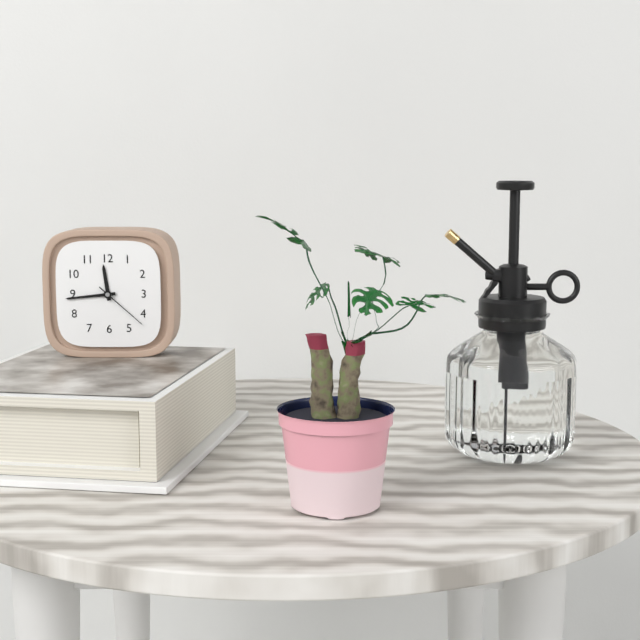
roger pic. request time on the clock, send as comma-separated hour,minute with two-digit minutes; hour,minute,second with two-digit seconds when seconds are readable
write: 11,44,22
